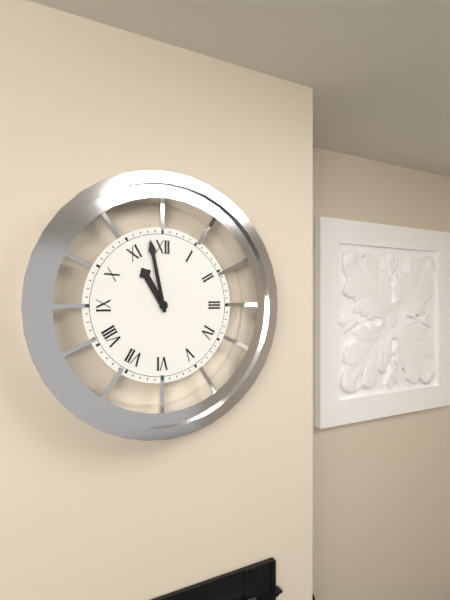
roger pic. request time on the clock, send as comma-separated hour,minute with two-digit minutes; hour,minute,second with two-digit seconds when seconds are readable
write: 10,58
